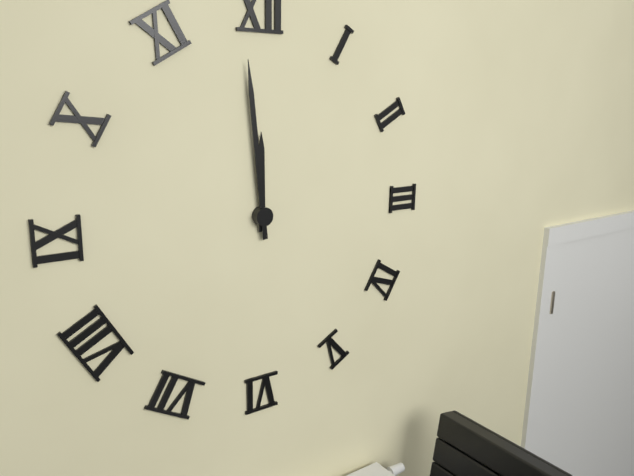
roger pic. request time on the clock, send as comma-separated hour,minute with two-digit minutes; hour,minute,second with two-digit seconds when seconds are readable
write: 11,59
